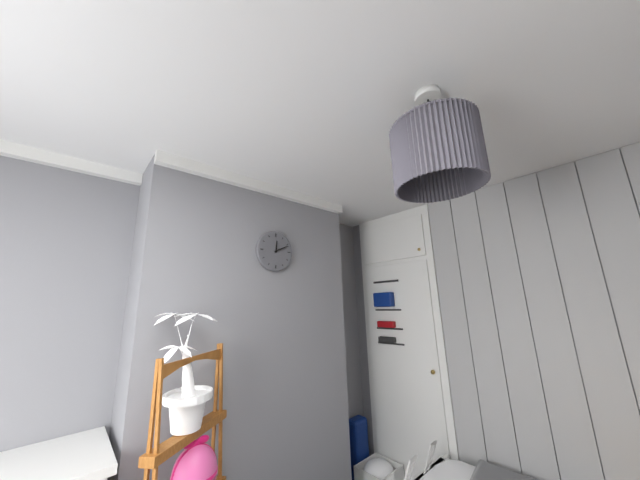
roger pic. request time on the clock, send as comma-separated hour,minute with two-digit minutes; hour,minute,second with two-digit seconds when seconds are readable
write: 12,11
